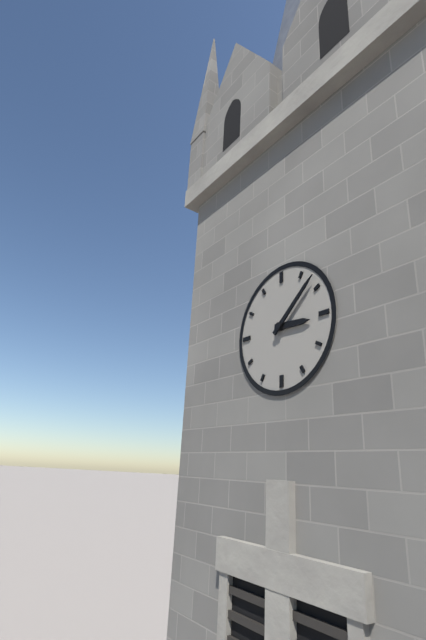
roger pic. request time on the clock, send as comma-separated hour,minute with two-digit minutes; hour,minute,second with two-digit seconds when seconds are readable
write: 3,08
